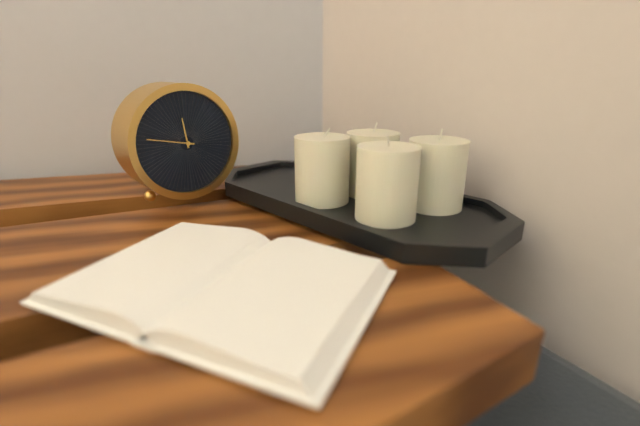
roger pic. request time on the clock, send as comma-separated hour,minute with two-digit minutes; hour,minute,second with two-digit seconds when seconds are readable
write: 11,47
